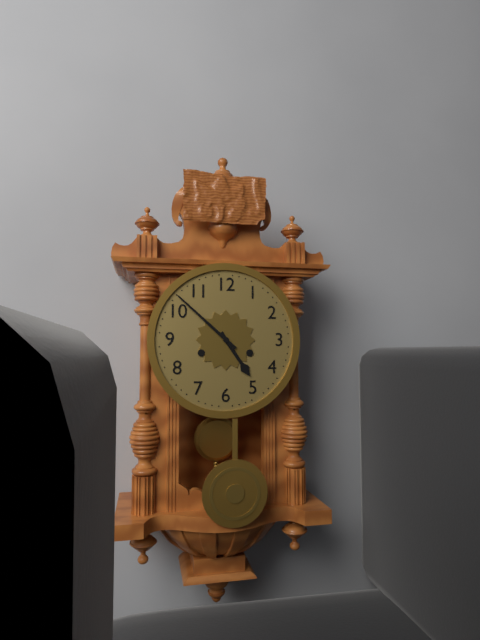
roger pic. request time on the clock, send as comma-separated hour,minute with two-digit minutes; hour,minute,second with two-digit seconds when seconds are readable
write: 4,52
